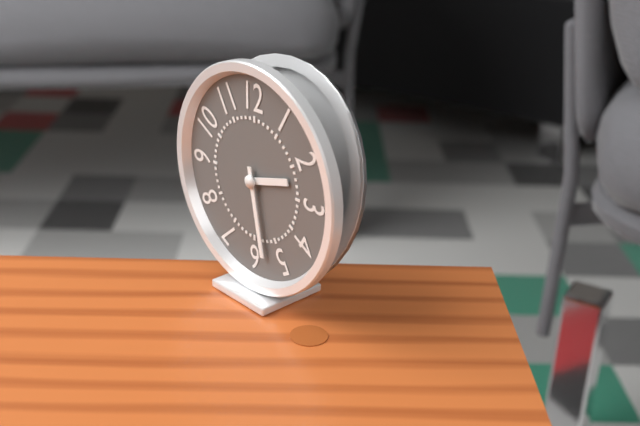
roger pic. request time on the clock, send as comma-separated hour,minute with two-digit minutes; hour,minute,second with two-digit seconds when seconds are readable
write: 2,28
